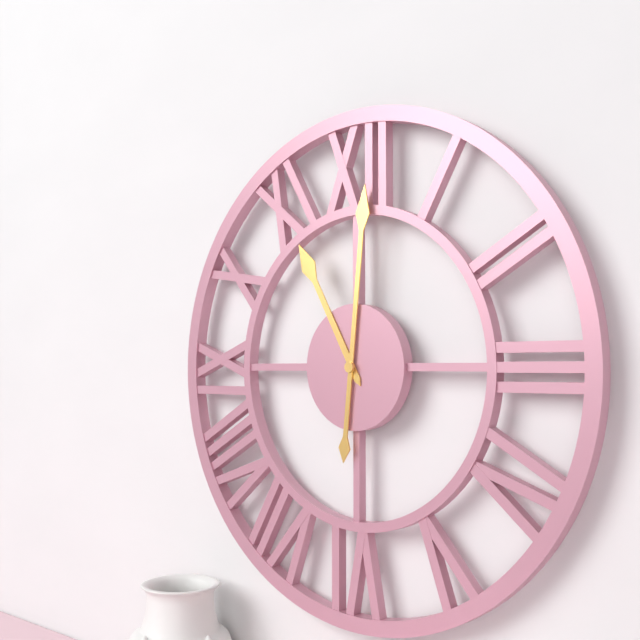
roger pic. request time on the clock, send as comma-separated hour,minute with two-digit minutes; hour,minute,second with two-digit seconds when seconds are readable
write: 11,01
